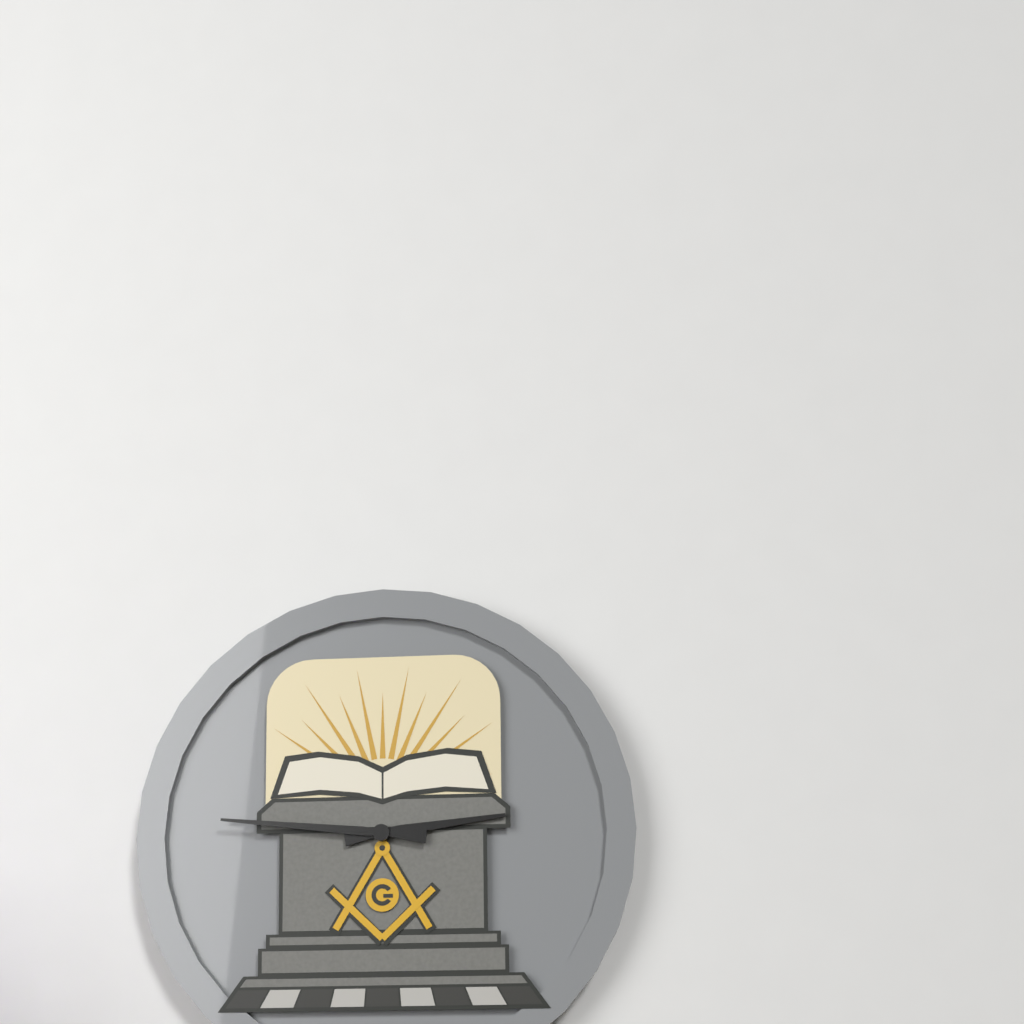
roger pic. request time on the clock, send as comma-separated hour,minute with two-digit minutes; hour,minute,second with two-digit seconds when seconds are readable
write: 2,46
